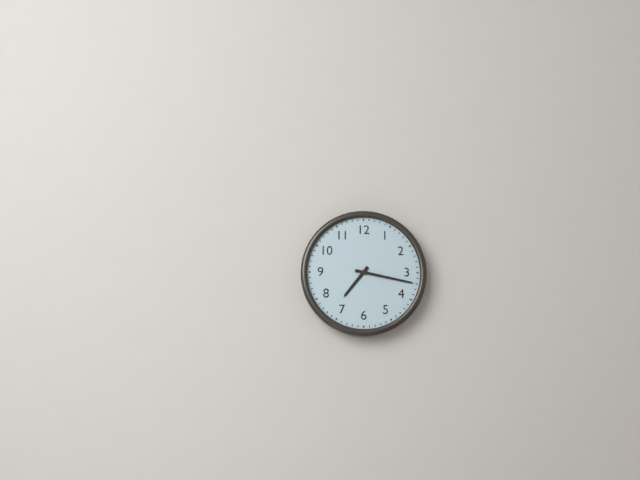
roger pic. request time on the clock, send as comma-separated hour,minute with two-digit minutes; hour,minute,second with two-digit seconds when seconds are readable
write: 7,17
